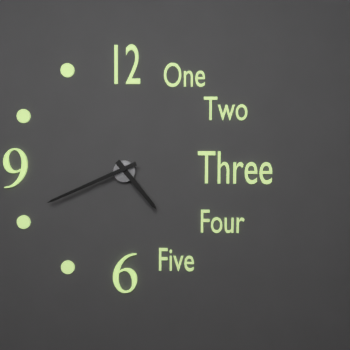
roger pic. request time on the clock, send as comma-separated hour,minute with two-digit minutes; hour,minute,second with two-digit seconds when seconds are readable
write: 4,41
